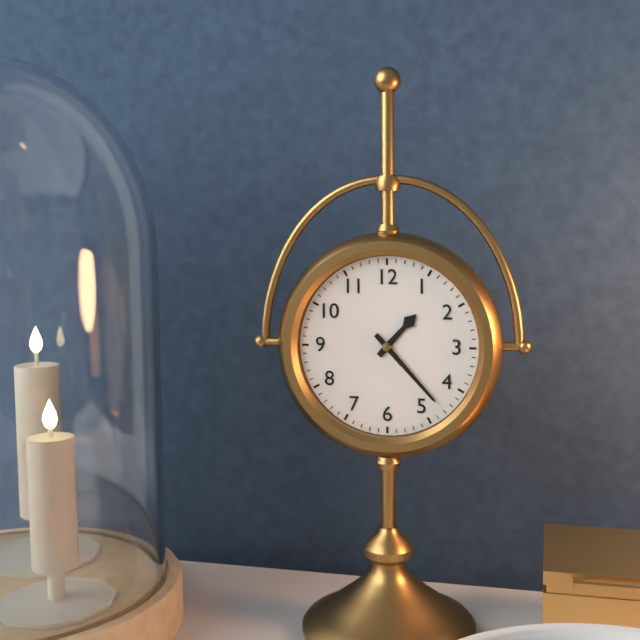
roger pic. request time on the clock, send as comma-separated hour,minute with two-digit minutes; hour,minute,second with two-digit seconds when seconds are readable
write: 1,23
